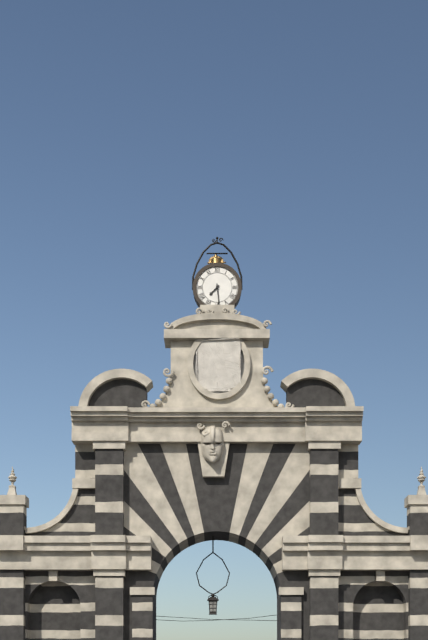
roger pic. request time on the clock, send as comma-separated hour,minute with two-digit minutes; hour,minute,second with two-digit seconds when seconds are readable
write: 7,29
